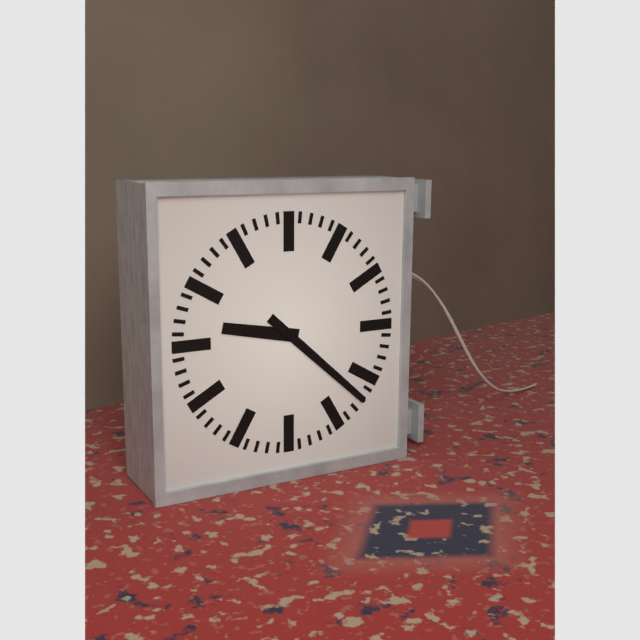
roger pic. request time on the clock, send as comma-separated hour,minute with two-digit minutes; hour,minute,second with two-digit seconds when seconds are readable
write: 9,22
